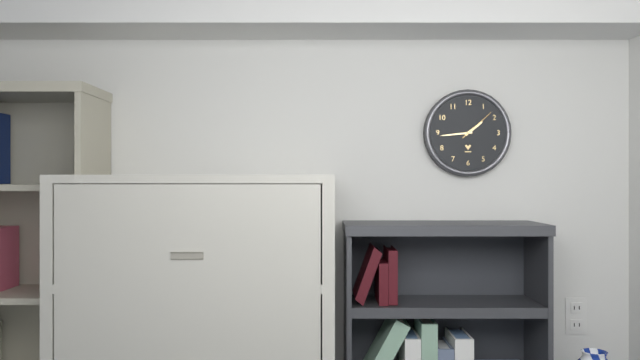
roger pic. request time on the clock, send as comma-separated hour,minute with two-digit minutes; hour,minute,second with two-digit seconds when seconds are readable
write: 1,44
